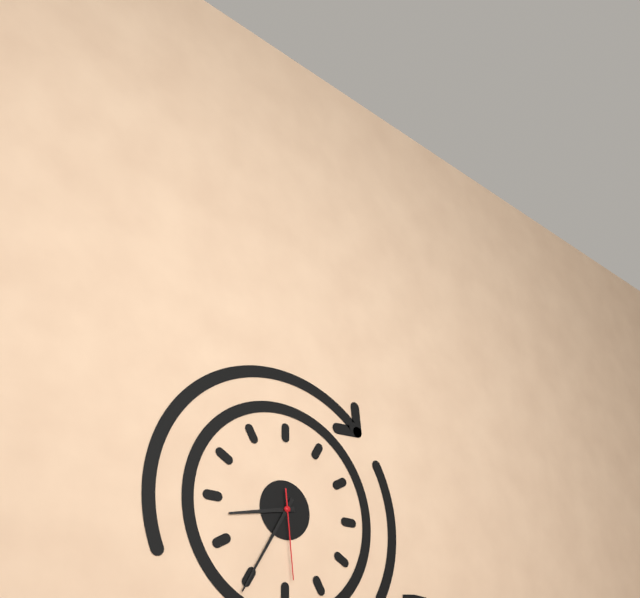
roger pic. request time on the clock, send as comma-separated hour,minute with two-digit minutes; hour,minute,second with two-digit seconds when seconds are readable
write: 8,35,29
